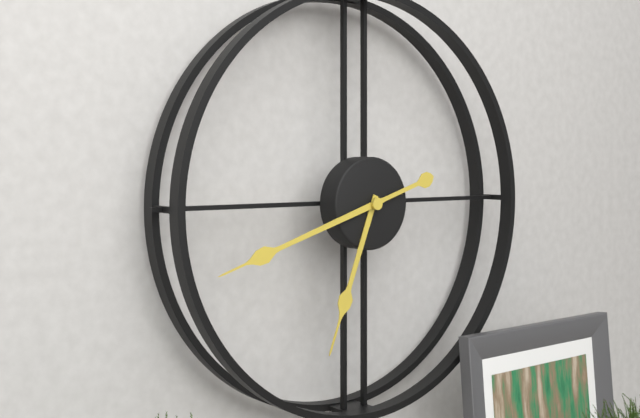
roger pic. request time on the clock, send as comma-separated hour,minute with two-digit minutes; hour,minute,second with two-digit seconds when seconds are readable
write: 6,42
